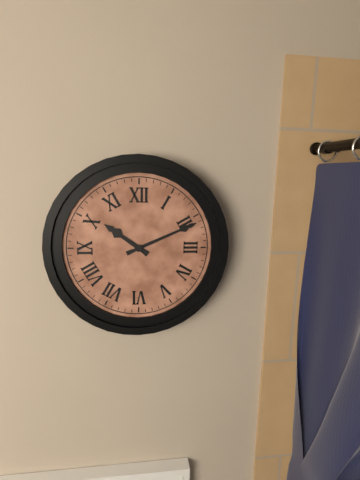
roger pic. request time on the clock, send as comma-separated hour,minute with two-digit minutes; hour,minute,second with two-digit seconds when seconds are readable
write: 10,11
